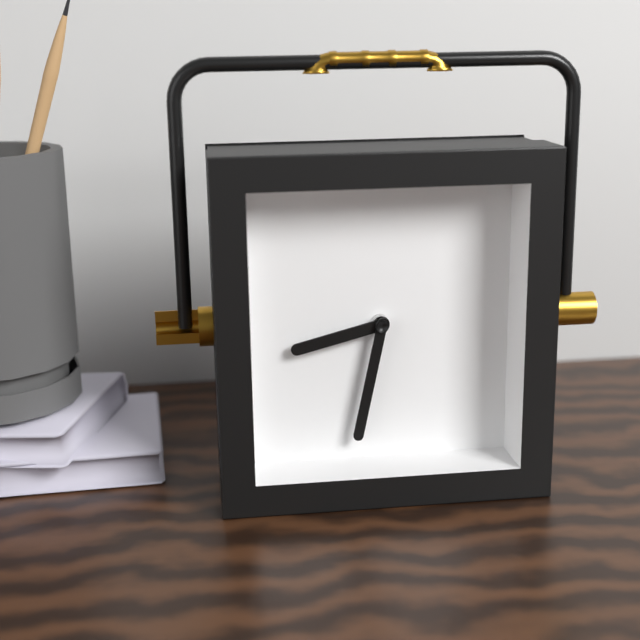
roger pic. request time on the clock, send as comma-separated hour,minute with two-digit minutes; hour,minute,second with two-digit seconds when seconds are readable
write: 8,32
